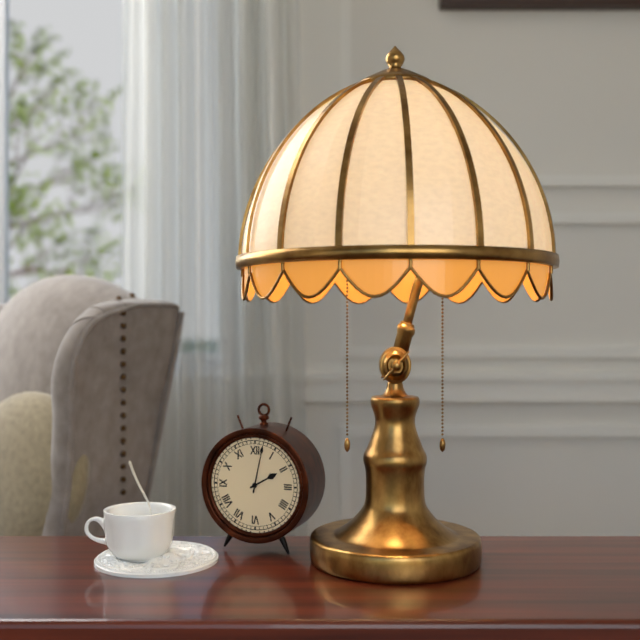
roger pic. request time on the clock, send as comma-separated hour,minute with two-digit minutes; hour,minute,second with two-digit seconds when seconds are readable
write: 2,02
